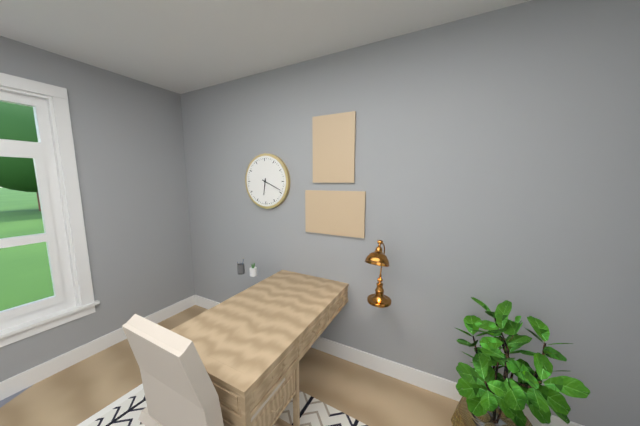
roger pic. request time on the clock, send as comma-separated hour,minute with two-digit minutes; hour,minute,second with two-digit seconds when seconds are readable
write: 6,19
